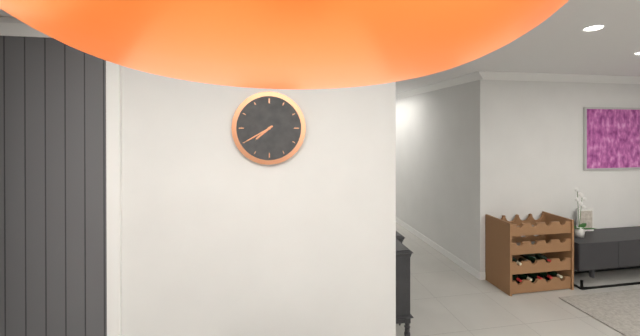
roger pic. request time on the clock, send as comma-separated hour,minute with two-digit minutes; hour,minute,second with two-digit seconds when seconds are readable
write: 7,40
